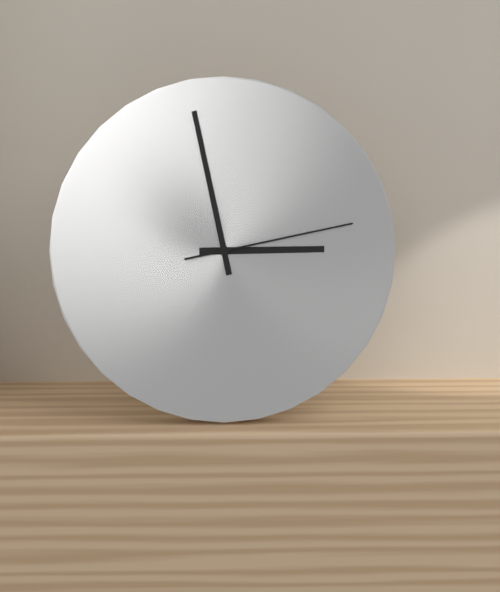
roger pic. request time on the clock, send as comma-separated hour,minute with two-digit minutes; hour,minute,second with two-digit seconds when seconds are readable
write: 2,58,13
